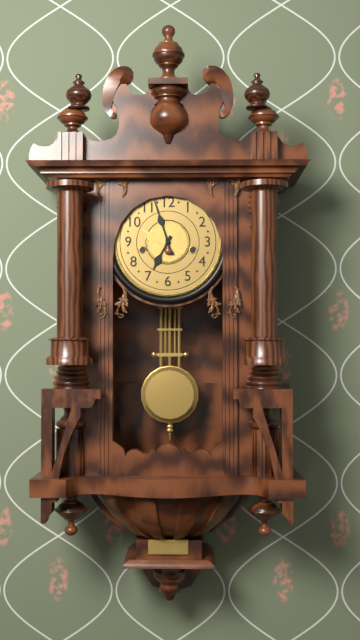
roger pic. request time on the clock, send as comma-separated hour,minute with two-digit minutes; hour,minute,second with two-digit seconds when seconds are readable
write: 6,57
